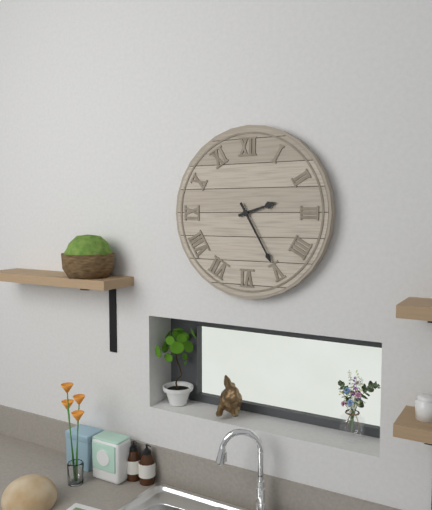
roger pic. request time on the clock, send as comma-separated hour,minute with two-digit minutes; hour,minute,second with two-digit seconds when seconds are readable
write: 2,25
